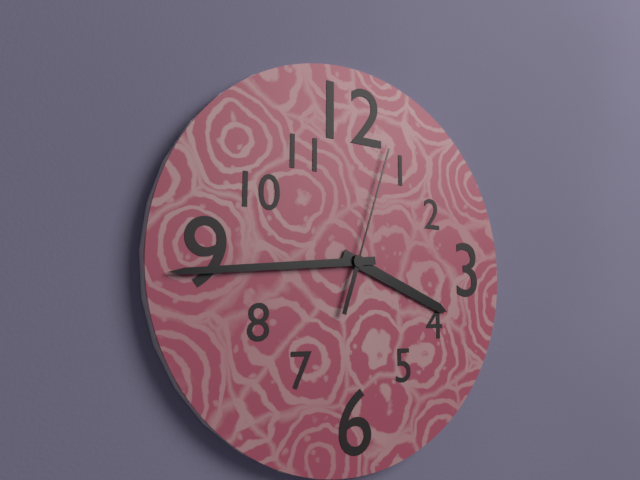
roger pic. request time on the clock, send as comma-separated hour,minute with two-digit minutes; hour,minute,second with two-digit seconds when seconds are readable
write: 3,44,03
